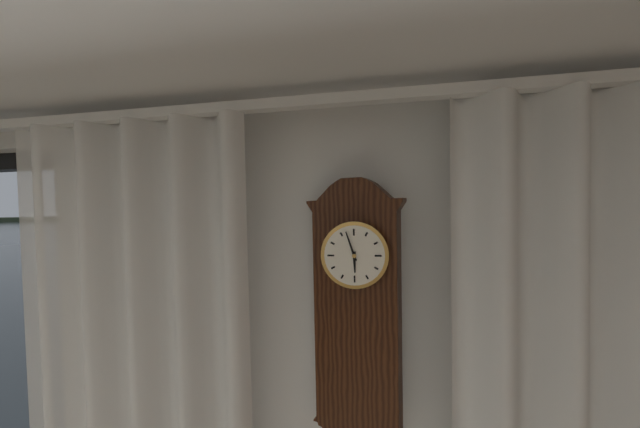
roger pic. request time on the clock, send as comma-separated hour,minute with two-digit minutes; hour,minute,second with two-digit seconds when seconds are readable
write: 5,57
